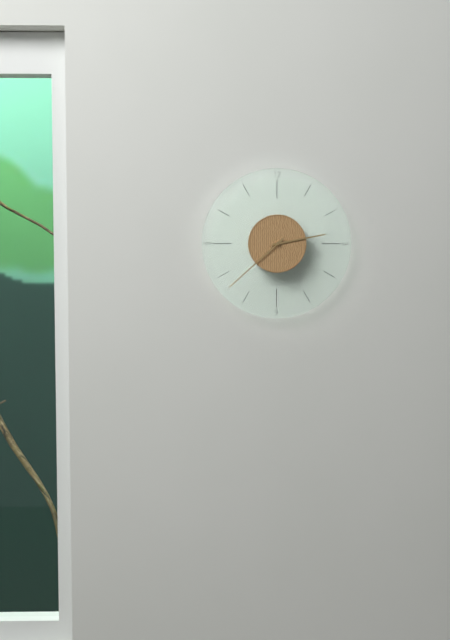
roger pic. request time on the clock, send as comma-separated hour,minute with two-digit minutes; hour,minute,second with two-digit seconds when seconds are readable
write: 2,38
